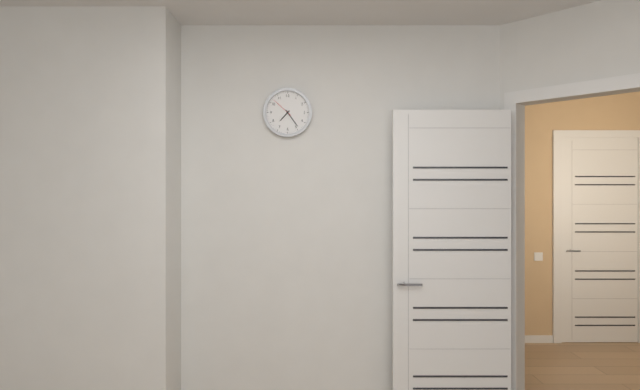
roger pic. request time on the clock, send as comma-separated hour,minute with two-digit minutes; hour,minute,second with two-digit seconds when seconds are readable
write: 7,24
